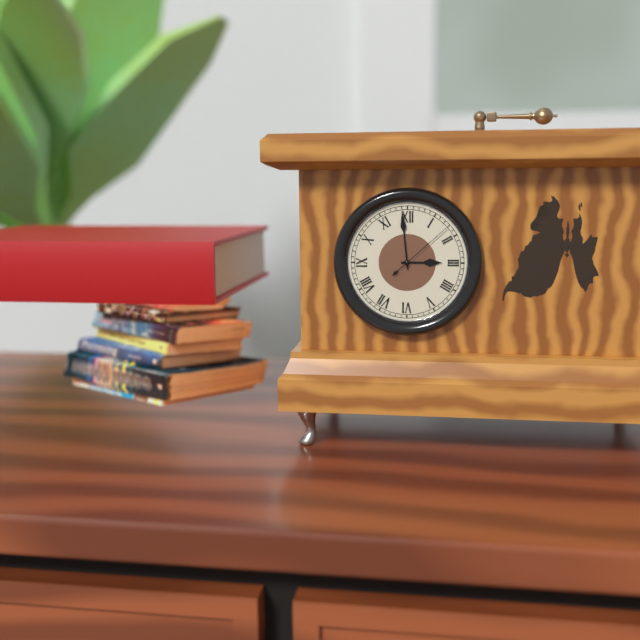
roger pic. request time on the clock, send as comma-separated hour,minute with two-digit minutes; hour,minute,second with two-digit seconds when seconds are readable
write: 2,59,08
